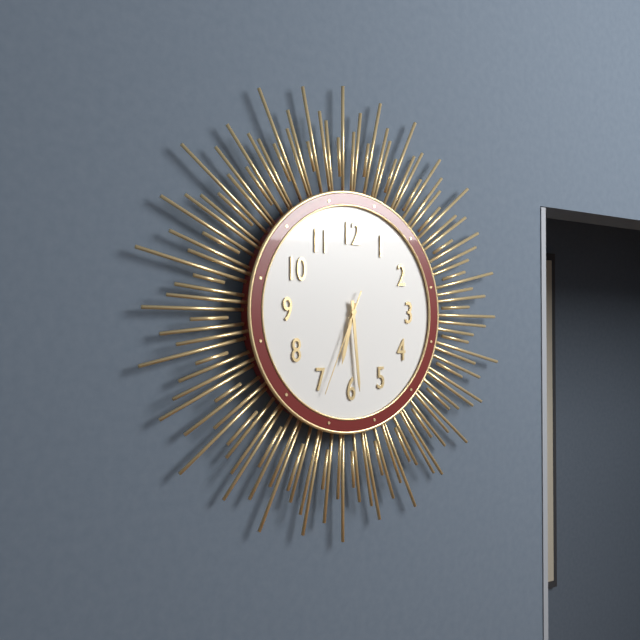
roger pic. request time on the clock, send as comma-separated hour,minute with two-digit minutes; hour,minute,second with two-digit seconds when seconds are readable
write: 6,29,34
